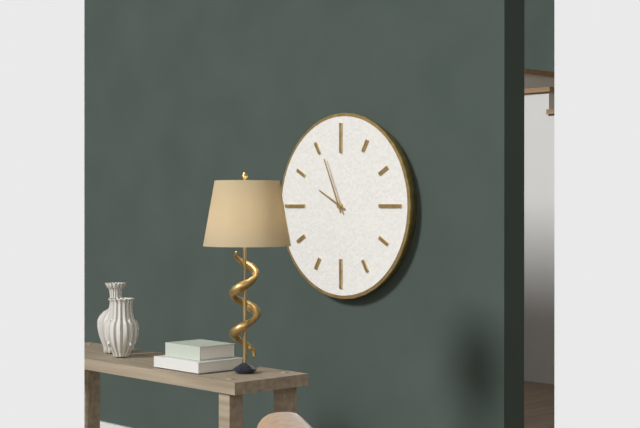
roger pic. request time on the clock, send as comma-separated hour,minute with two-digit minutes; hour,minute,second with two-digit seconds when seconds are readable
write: 9,56
